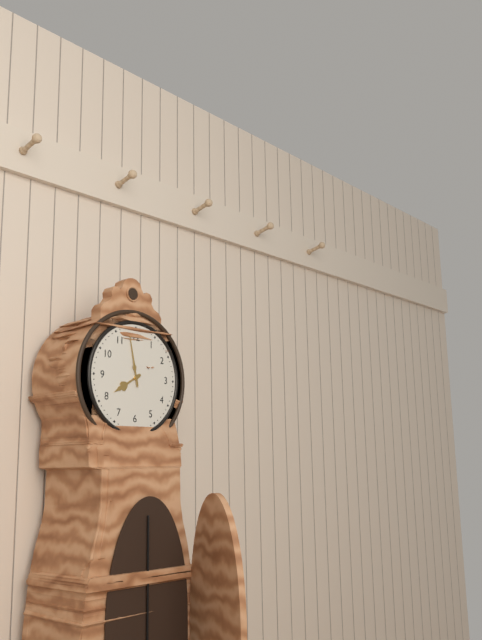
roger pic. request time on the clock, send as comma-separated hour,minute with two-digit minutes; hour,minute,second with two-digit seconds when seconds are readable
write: 7,58
